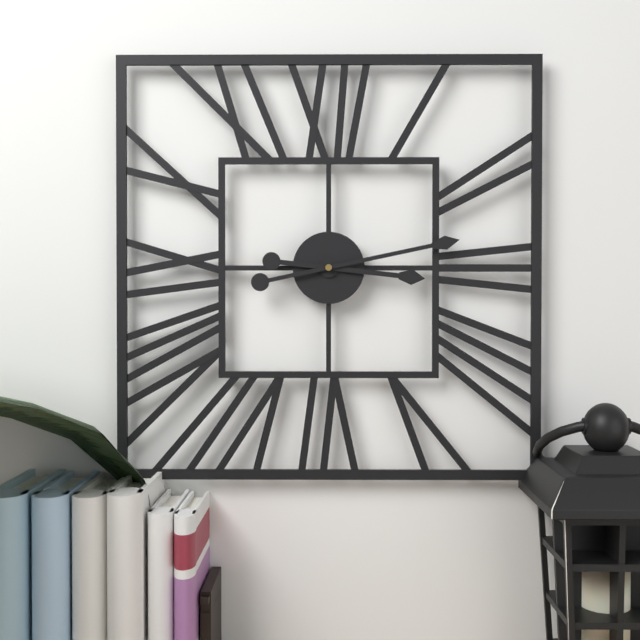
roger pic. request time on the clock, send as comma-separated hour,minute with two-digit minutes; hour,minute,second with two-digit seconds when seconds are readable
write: 3,13
